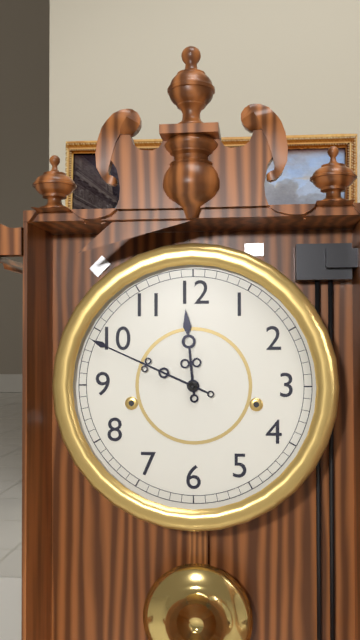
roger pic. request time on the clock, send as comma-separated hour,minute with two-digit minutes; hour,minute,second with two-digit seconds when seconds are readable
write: 11,49
